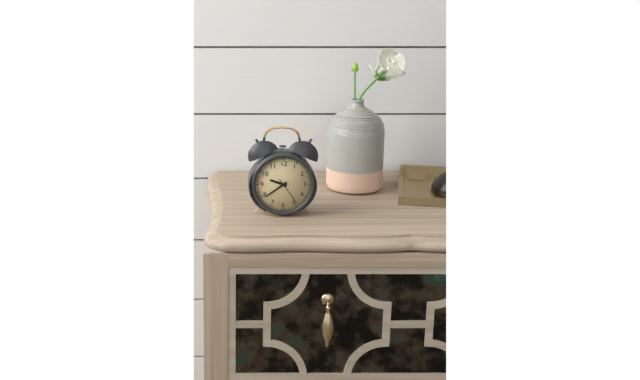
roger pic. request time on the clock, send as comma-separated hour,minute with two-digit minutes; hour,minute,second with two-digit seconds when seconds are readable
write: 9,39
